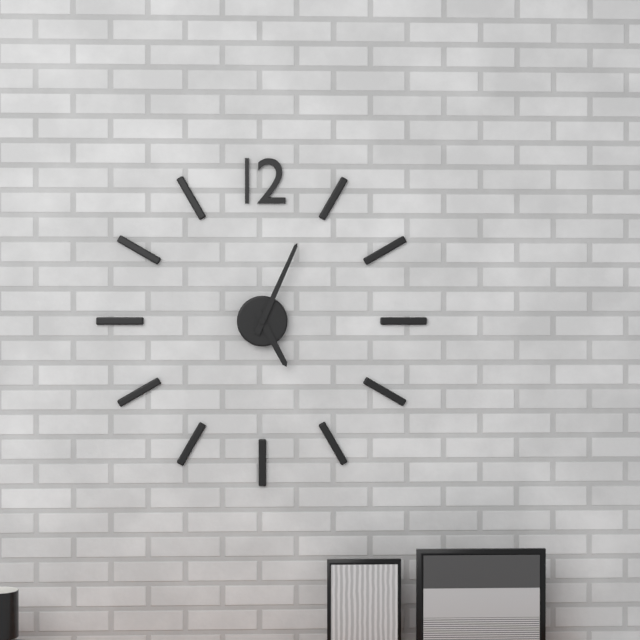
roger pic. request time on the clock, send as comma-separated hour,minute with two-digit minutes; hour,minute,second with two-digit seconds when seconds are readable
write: 5,04
